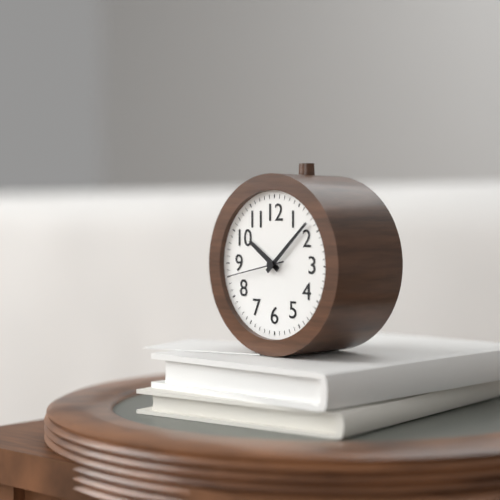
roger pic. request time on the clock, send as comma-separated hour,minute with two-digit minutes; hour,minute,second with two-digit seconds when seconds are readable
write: 10,08,43
